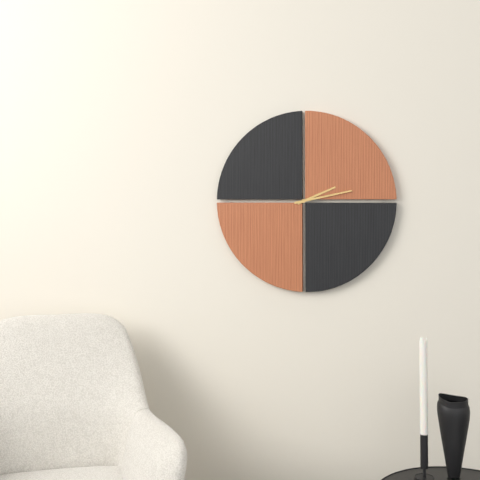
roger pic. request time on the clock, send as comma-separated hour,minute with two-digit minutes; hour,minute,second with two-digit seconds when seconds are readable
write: 2,13
